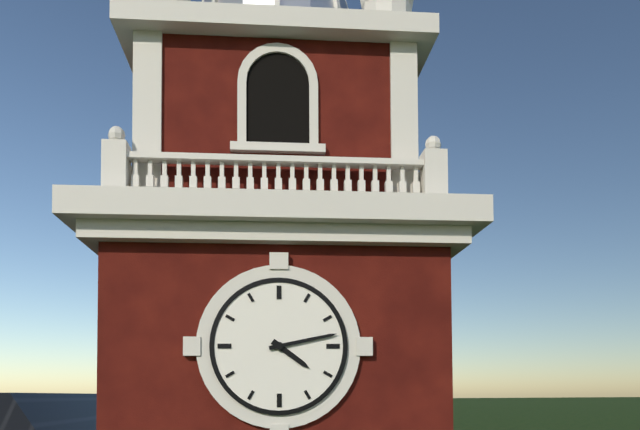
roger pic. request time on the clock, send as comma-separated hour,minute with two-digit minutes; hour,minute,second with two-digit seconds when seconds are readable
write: 4,13
